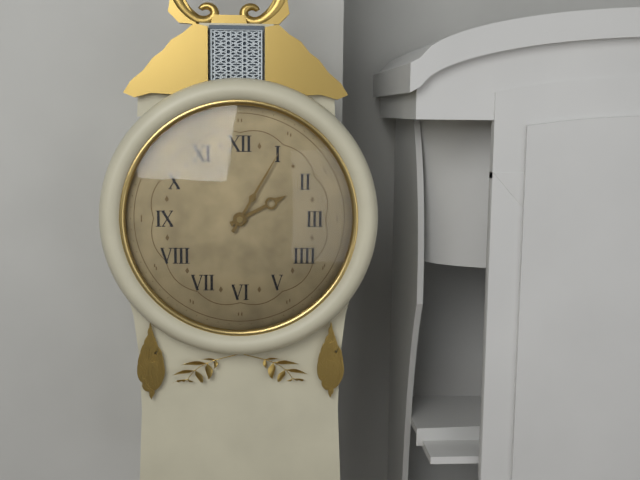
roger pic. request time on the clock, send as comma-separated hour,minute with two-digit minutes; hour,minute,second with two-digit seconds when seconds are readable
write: 2,05
